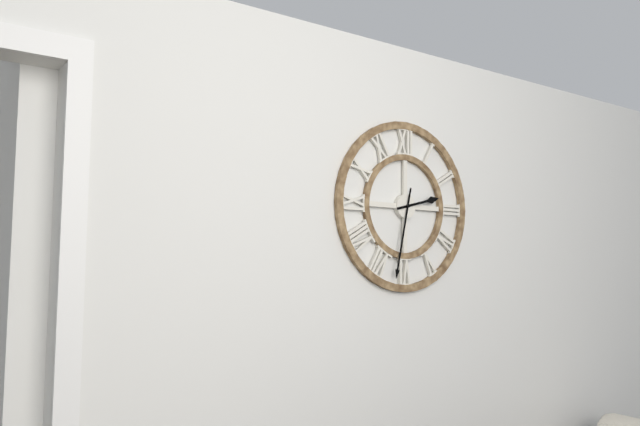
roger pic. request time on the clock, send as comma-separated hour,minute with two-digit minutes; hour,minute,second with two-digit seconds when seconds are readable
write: 2,32
